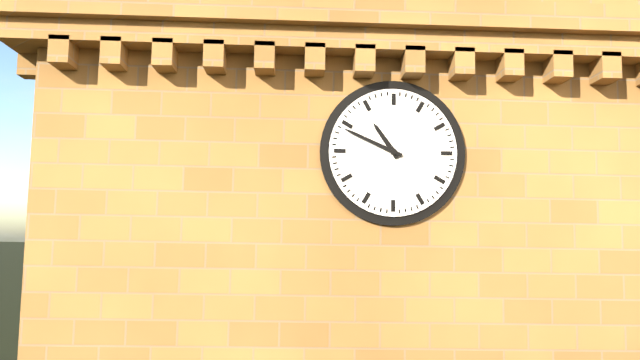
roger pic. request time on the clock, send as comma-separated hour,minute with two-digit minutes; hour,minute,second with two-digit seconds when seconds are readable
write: 10,49
